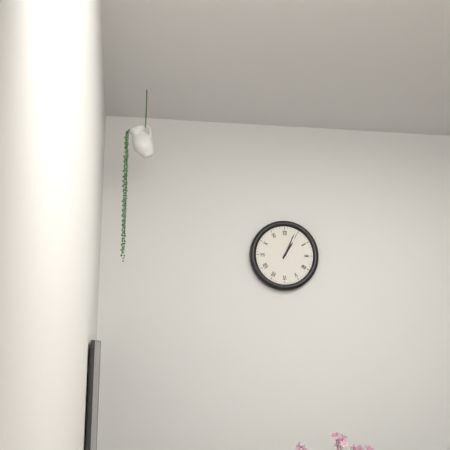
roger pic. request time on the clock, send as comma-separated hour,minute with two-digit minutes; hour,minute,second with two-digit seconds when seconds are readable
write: 1,04
